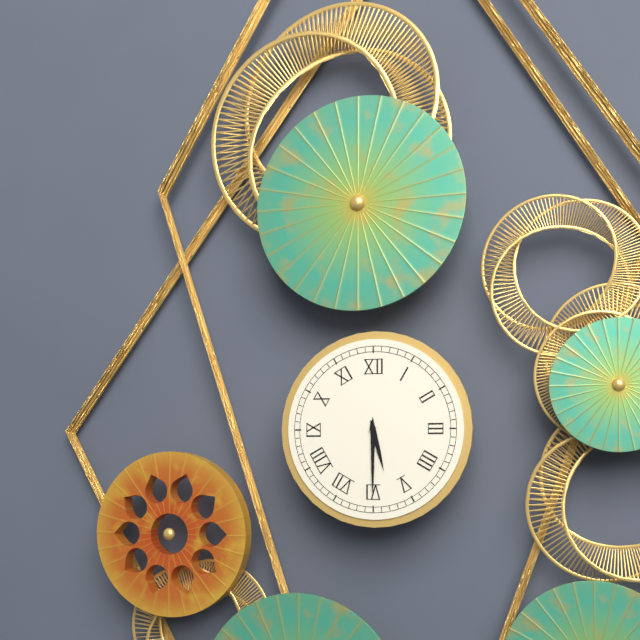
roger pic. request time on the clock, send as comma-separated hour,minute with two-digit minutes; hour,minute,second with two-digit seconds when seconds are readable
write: 5,30
